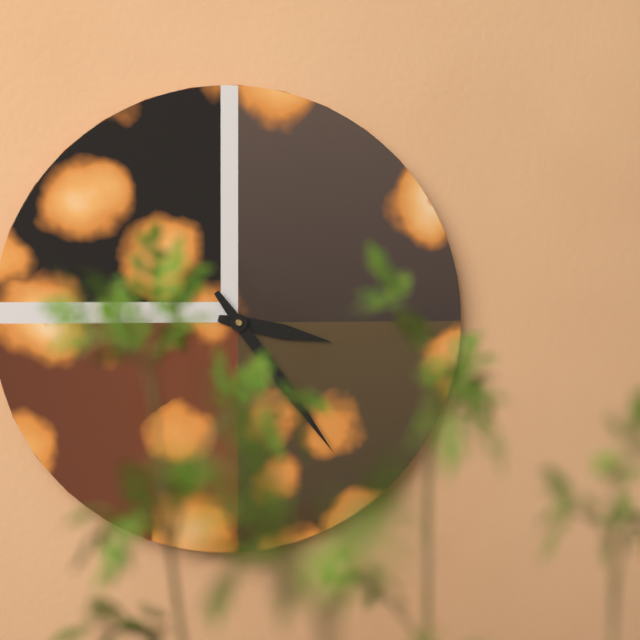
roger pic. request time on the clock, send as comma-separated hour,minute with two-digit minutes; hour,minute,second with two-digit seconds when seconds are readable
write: 3,24
